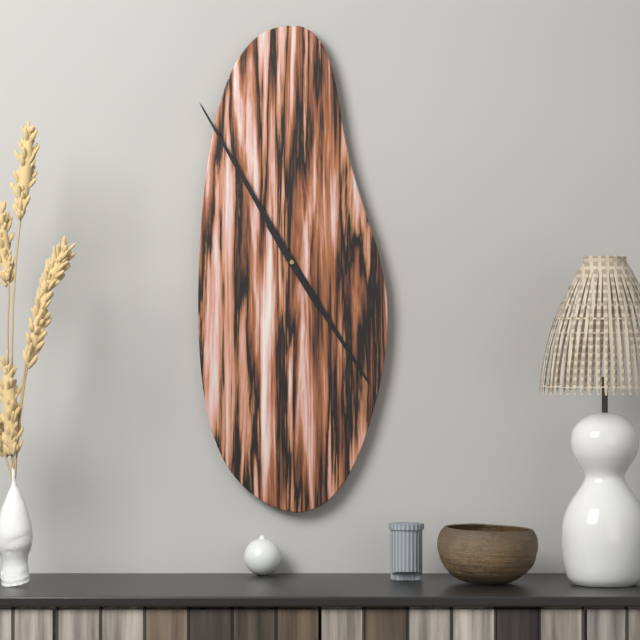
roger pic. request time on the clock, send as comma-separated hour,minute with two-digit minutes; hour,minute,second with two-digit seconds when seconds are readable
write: 4,55
